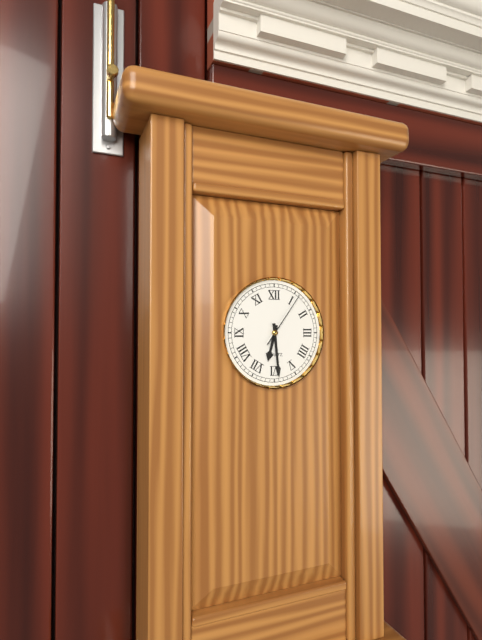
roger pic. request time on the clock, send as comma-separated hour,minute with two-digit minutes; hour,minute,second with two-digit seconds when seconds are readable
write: 6,29,06
